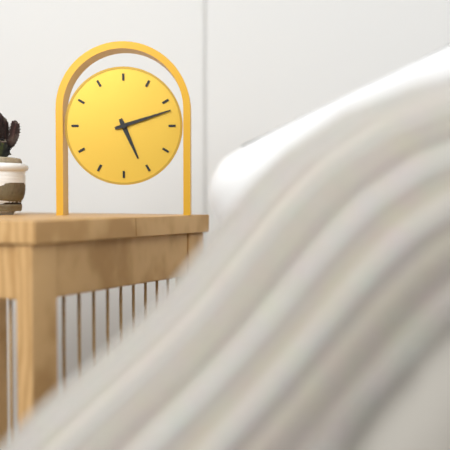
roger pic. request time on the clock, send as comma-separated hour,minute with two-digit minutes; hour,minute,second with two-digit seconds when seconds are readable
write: 5,12
